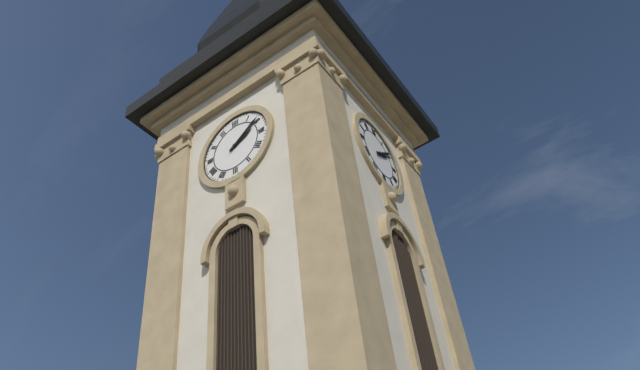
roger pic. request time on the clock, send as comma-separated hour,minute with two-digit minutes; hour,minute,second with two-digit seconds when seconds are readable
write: 2,09
